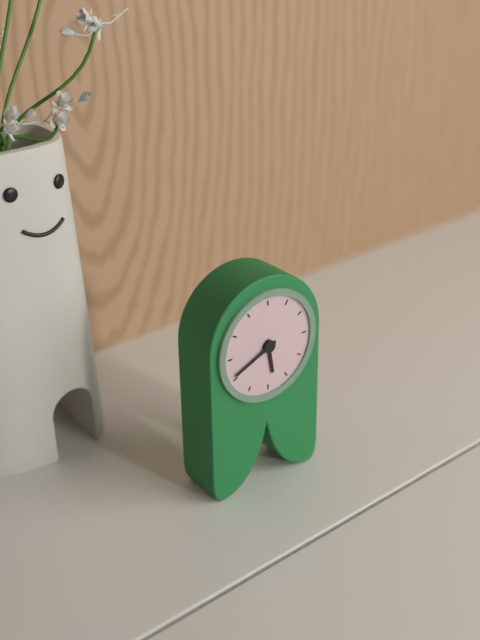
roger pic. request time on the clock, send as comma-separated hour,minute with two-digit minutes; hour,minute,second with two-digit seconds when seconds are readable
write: 5,41
